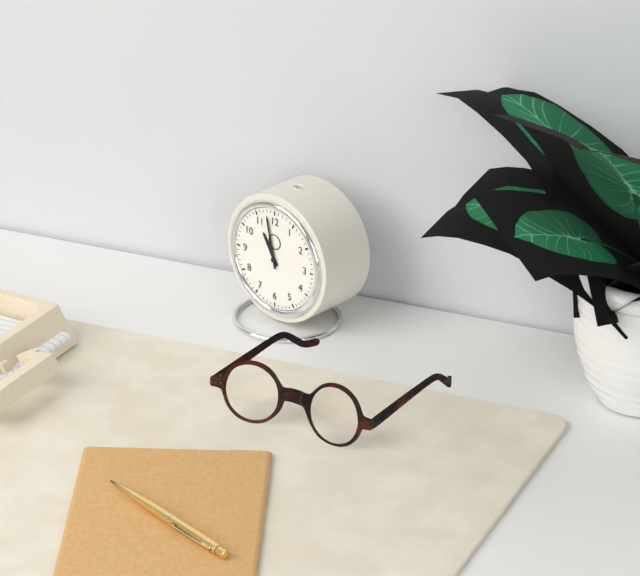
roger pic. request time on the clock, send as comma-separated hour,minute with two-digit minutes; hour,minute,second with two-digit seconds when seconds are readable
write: 10,58
